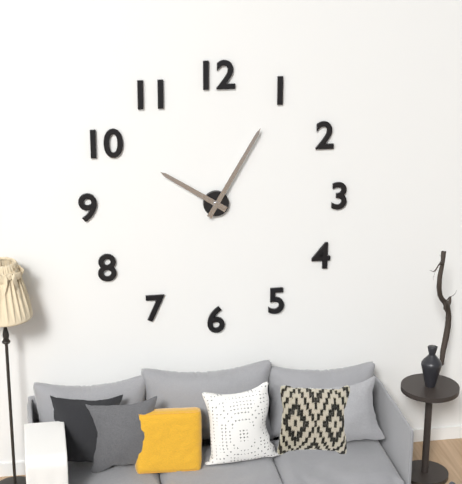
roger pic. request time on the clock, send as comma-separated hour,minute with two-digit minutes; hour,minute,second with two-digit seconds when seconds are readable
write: 10,05
